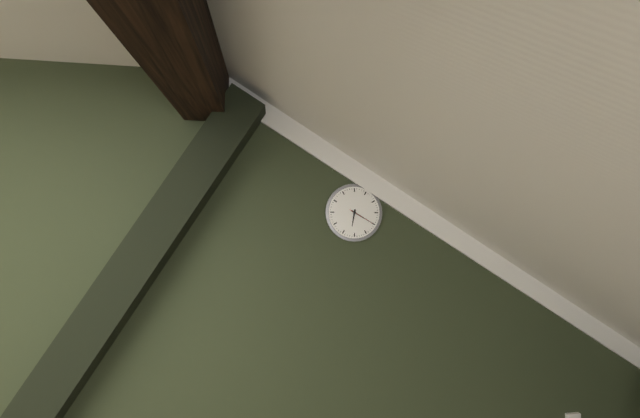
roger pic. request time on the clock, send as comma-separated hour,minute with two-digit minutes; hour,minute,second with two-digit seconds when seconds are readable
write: 6,20
